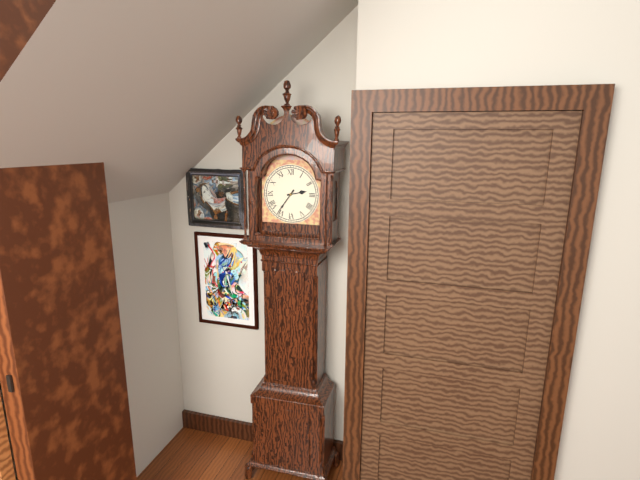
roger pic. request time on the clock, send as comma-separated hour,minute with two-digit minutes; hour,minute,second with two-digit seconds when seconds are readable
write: 2,36
